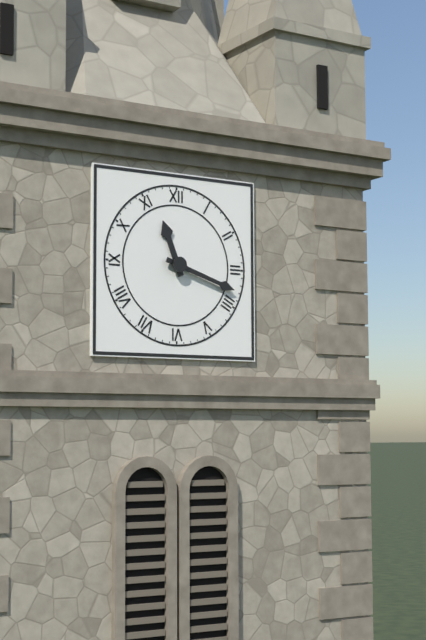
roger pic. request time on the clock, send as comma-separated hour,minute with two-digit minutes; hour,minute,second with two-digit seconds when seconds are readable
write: 11,18
